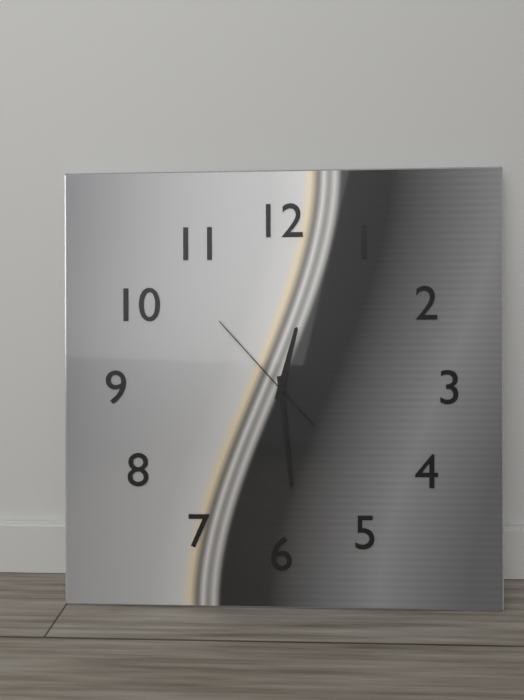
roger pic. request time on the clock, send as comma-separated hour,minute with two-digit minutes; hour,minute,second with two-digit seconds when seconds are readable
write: 12,29,53
